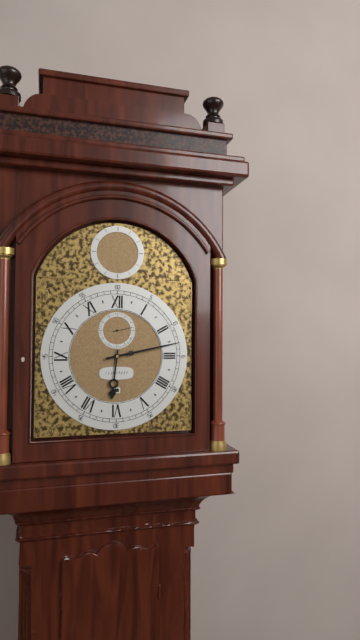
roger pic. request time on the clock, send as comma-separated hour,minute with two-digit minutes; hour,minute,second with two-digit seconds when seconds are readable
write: 6,13
